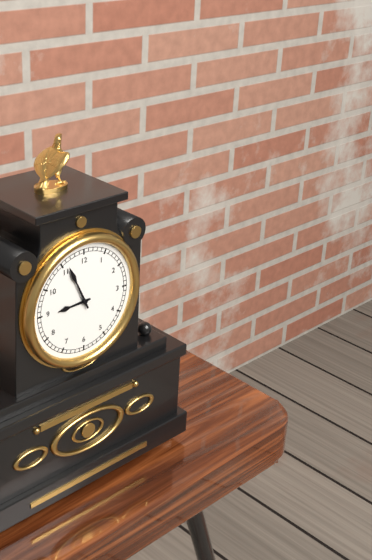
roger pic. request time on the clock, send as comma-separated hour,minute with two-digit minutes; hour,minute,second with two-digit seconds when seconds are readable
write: 8,56
